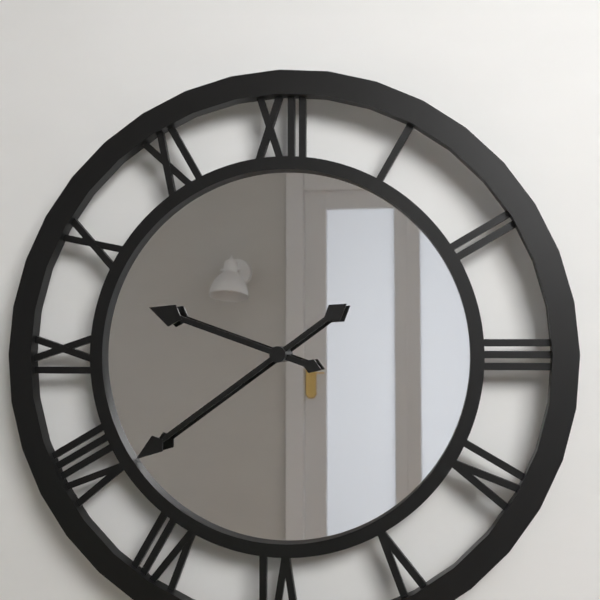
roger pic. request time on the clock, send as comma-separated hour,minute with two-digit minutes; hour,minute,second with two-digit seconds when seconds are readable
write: 9,39
